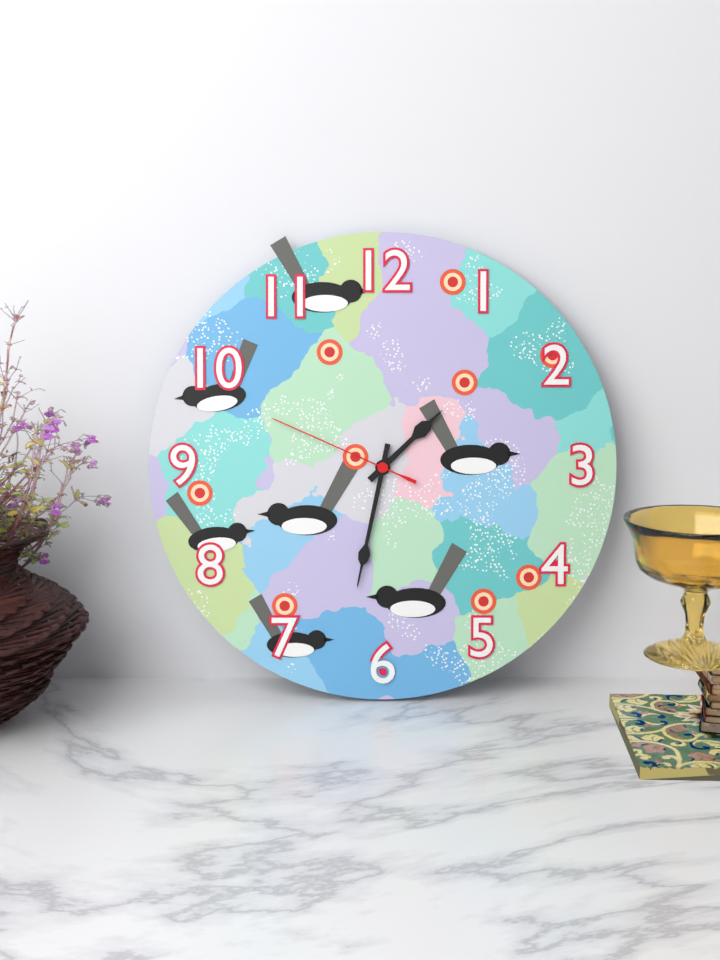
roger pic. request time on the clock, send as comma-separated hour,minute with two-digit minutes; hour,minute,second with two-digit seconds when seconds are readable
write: 1,32,49
